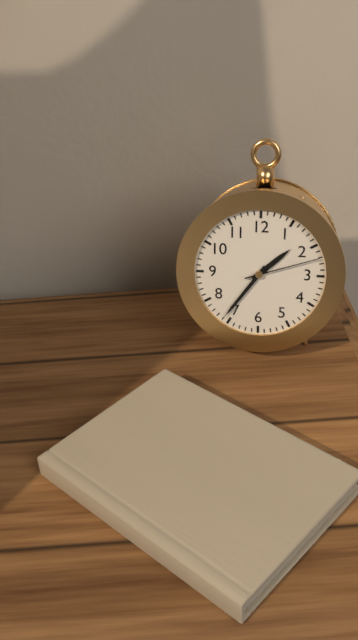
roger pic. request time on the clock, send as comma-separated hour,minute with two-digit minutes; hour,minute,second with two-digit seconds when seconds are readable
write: 1,36,12
